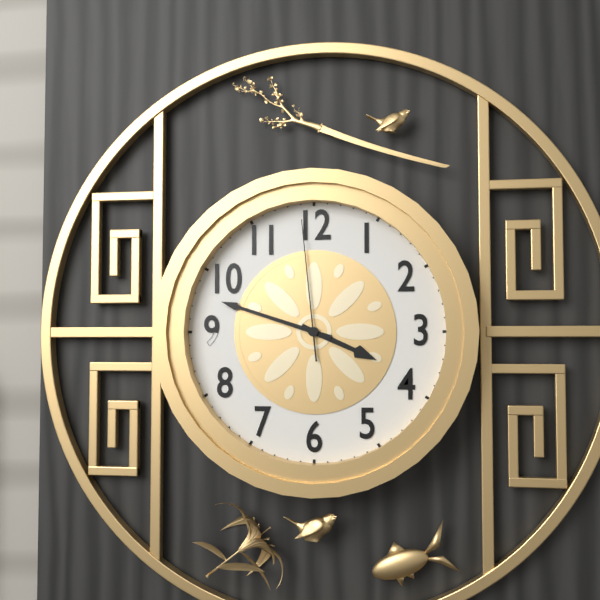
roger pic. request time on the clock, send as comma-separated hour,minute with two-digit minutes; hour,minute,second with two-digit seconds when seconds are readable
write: 3,48,59
